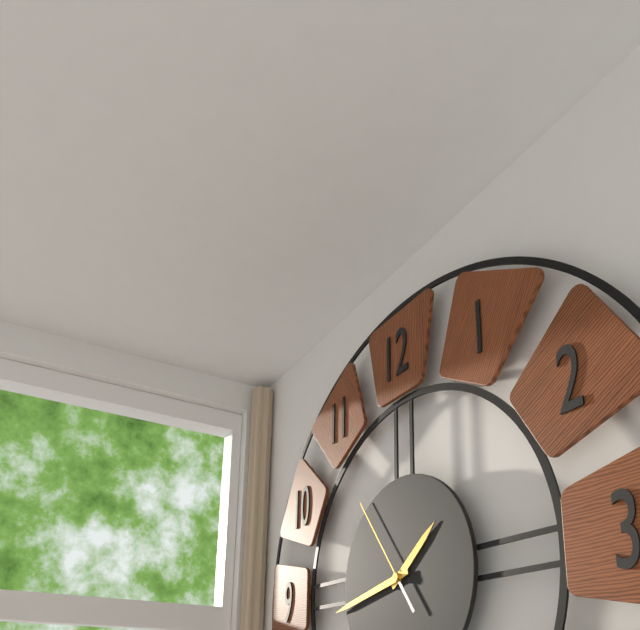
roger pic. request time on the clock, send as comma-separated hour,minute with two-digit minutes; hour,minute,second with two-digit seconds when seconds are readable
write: 1,43,54
